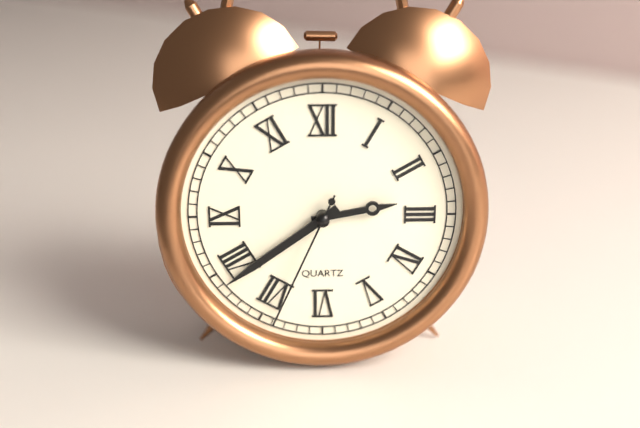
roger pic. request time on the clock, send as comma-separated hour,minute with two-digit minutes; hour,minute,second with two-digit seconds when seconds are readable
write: 2,39,34
